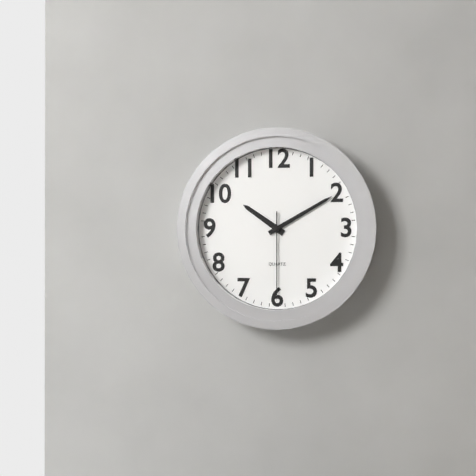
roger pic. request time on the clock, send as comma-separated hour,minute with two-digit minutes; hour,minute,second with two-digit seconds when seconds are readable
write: 10,10,30
